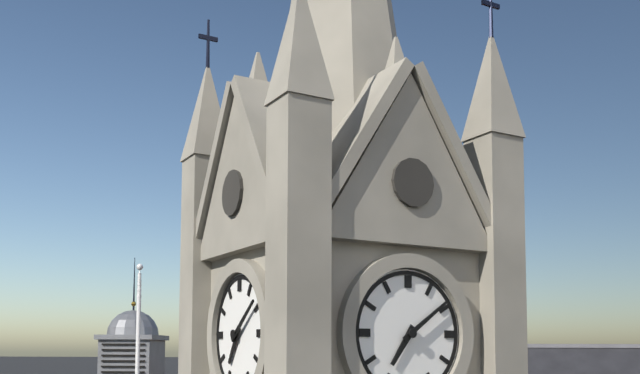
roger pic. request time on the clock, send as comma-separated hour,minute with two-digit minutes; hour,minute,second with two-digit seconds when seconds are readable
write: 7,09
